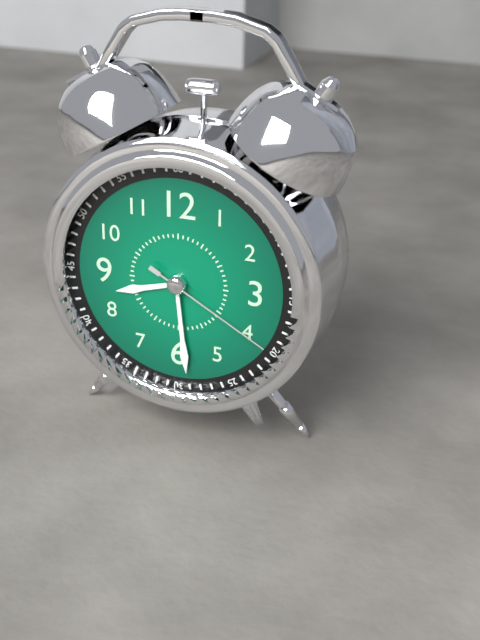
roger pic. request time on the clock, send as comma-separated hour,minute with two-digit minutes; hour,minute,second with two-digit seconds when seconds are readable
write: 8,29,20
